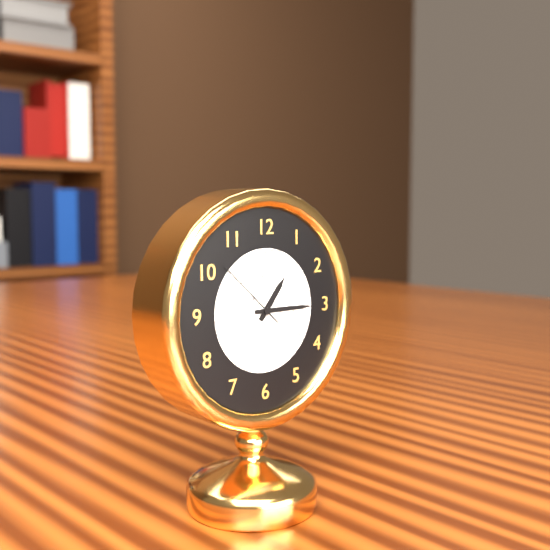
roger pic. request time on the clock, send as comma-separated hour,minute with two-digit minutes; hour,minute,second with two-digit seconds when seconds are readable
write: 1,15,52
